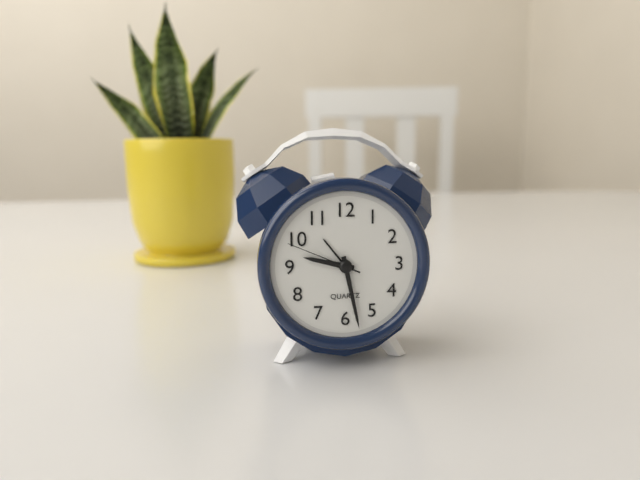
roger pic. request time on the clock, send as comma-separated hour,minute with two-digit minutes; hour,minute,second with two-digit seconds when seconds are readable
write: 9,28,49
